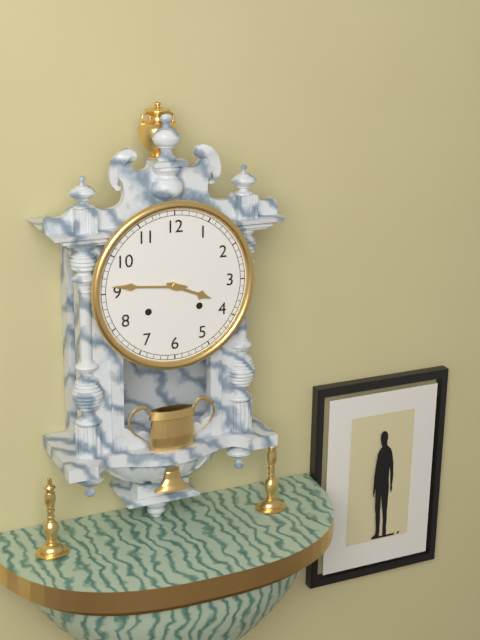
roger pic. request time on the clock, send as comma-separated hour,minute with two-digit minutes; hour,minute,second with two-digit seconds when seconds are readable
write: 3,46
